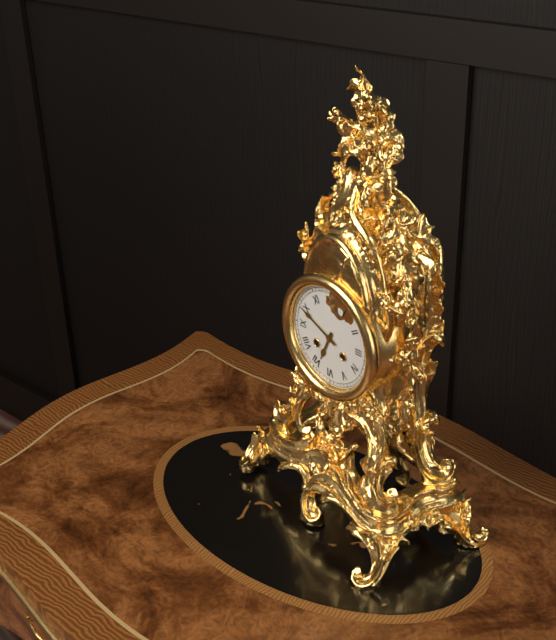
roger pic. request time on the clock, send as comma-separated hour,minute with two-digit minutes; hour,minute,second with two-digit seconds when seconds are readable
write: 6,49
